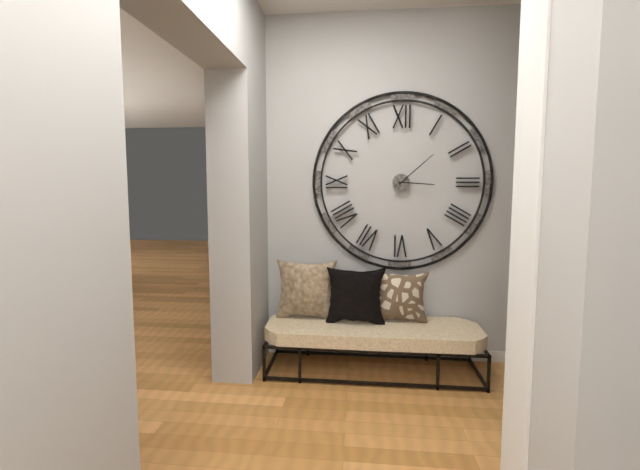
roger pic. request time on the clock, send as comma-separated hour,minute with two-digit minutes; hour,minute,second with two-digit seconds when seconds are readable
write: 3,08
